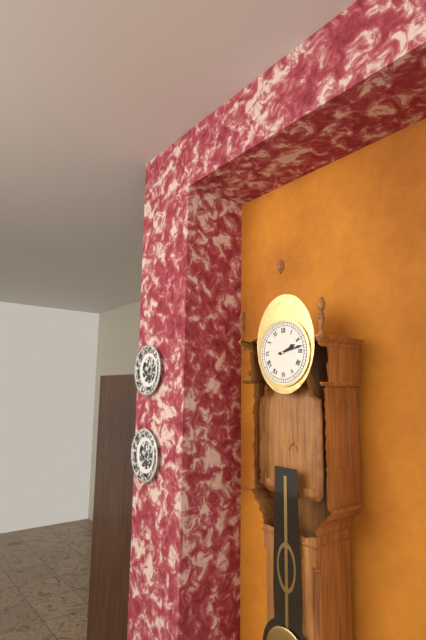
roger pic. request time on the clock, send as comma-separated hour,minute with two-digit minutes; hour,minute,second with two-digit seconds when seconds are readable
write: 2,13
